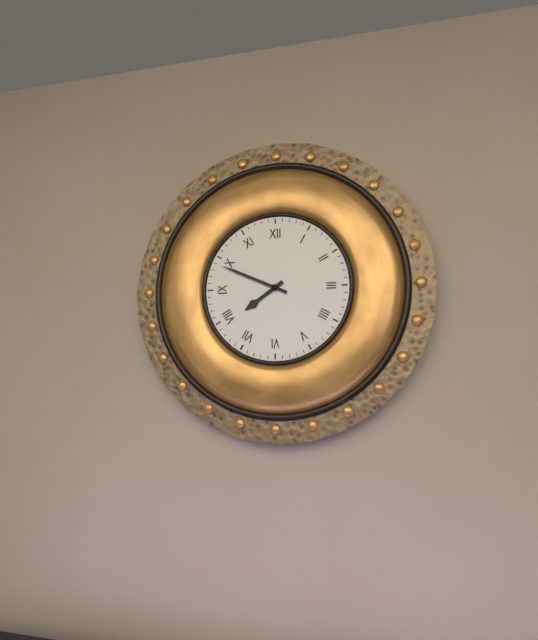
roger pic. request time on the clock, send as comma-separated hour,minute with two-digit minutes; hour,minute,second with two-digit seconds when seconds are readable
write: 7,49
